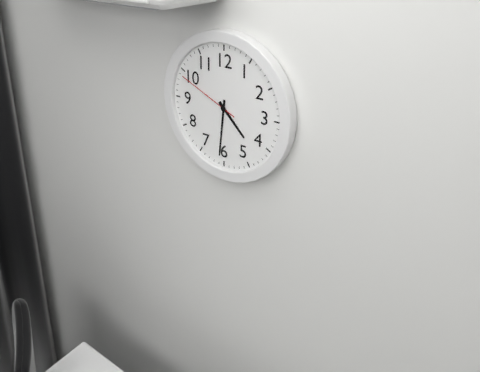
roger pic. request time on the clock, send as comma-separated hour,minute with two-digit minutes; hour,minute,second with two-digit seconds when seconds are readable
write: 4,31,49
